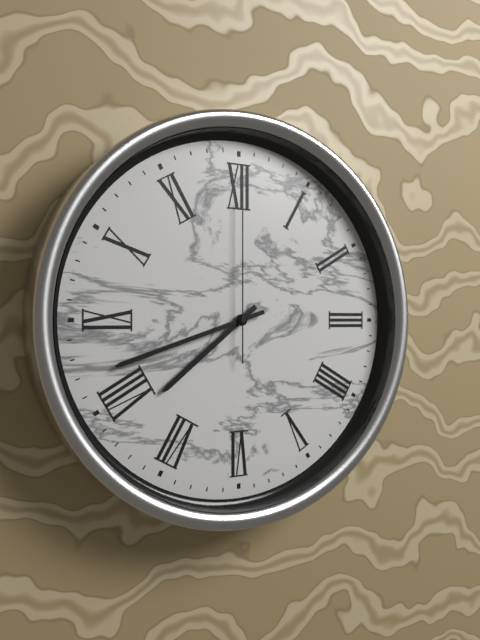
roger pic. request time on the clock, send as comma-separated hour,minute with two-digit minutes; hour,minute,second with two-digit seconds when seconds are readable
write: 7,42,00
